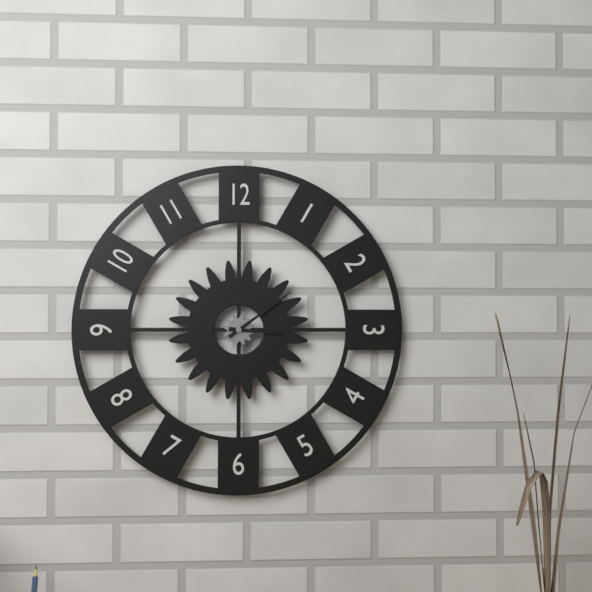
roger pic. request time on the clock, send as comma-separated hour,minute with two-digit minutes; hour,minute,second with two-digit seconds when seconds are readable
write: 3,09
